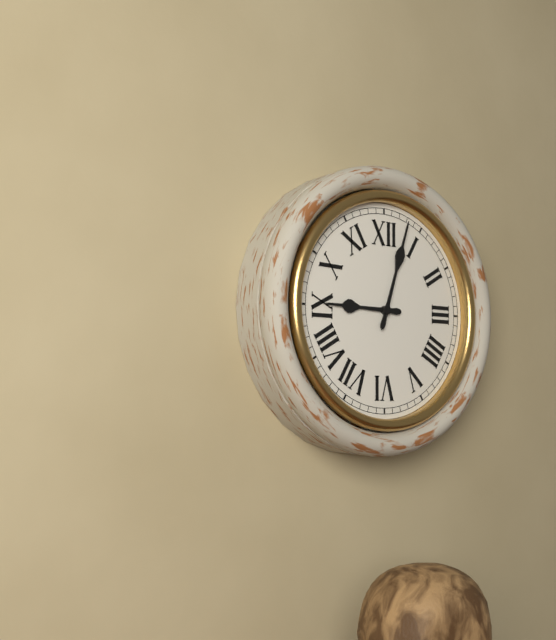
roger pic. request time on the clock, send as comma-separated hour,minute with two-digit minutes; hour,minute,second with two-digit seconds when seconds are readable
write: 9,03
